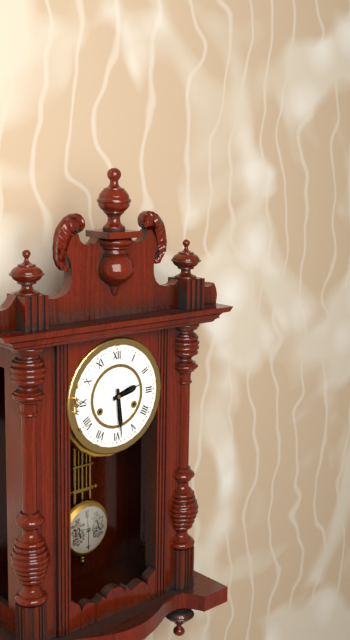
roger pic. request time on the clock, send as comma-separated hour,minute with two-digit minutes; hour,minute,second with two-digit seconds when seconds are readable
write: 2,29
